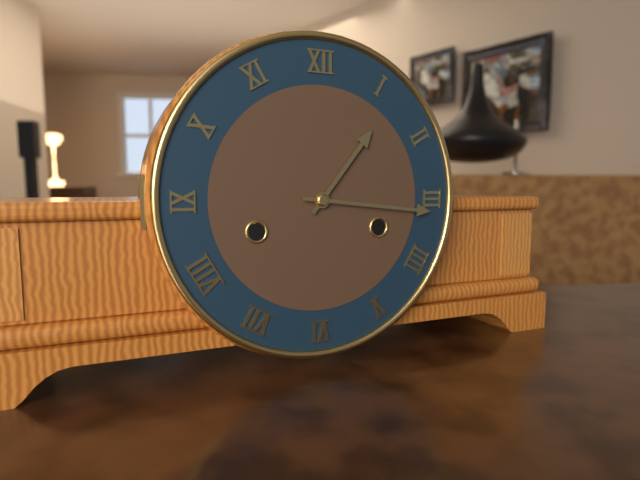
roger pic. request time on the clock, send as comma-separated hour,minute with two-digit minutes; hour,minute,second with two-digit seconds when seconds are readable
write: 1,16
